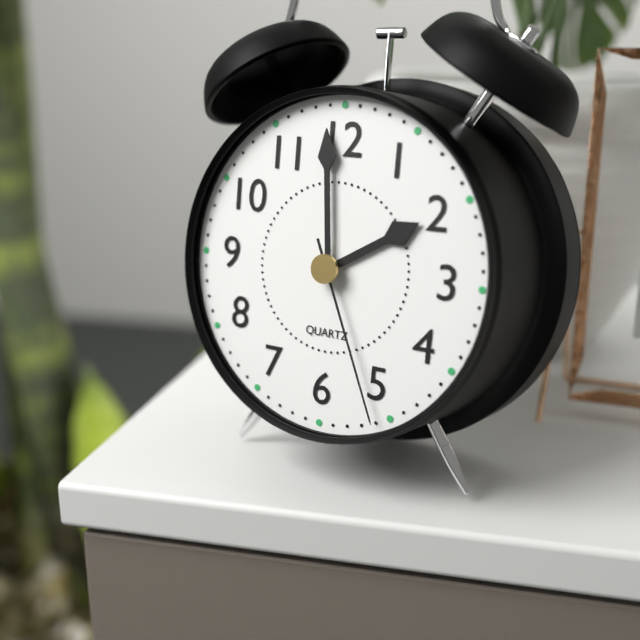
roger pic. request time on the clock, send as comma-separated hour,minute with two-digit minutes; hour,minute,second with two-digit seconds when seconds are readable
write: 1,59,26
